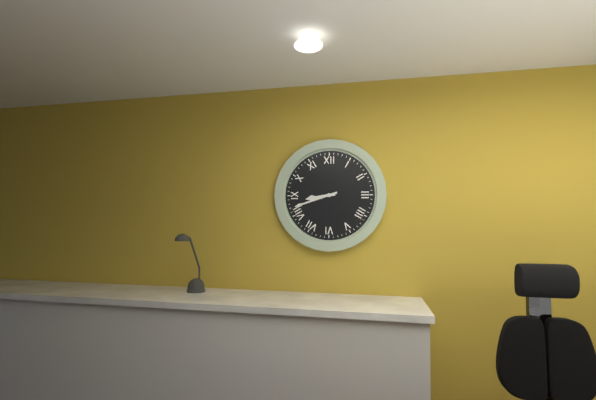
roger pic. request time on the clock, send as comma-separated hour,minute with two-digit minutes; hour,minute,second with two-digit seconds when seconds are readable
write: 8,42
